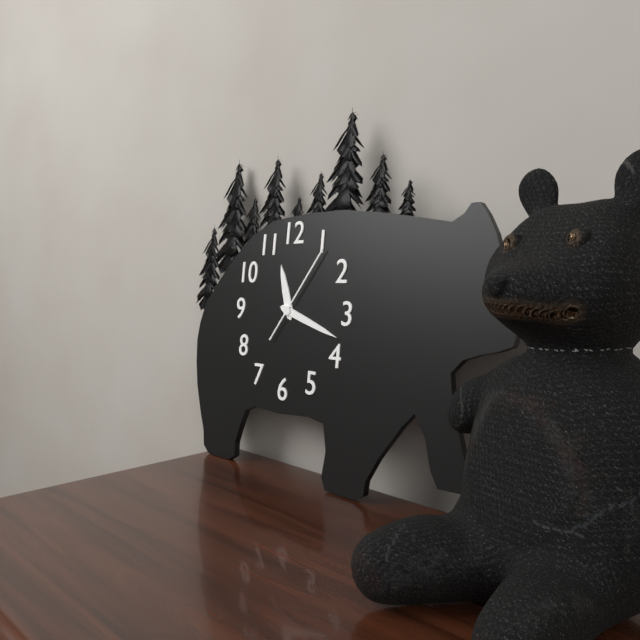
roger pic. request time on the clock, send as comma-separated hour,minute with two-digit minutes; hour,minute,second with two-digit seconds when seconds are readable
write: 11,18,06
